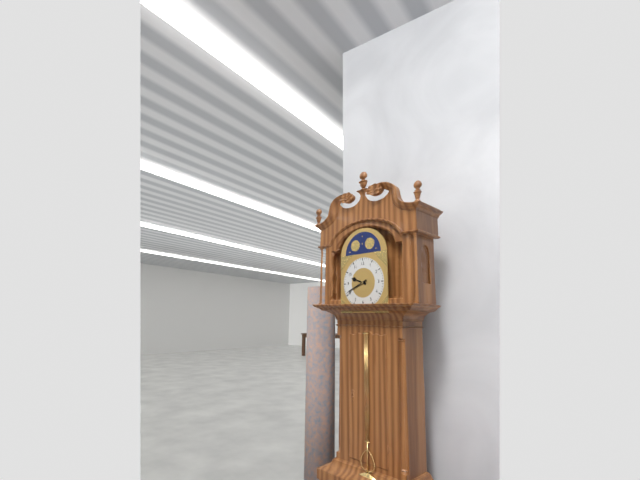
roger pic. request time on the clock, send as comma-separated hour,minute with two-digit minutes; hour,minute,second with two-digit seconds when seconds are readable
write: 9,41
